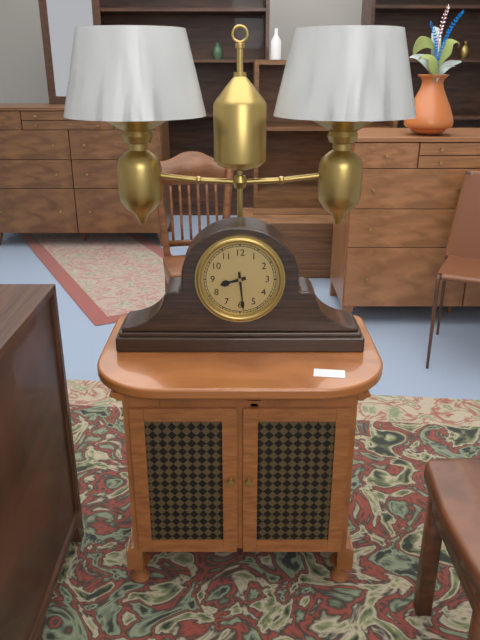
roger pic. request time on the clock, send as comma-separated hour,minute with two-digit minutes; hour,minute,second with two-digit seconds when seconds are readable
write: 8,29
